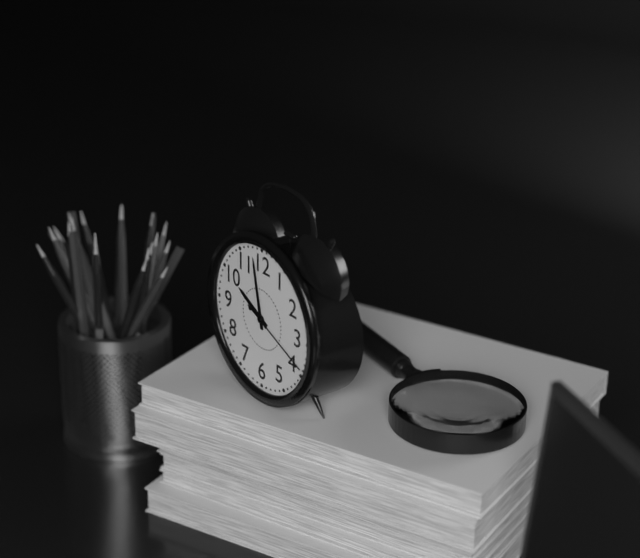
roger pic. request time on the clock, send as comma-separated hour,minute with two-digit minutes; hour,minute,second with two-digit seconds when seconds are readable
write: 9,58,19
